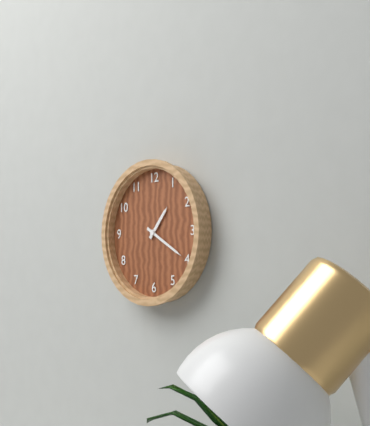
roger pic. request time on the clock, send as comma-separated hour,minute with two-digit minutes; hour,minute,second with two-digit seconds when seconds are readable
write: 1,20
